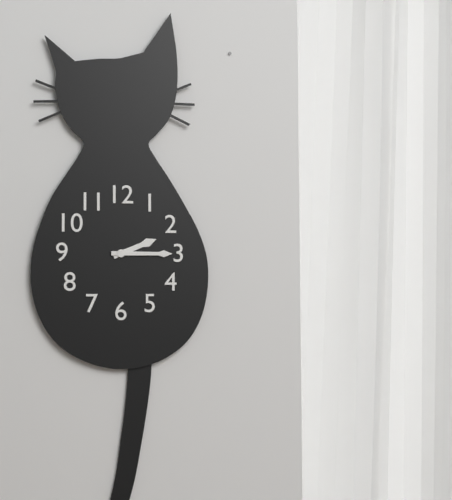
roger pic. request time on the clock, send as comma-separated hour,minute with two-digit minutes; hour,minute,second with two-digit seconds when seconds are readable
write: 2,15
